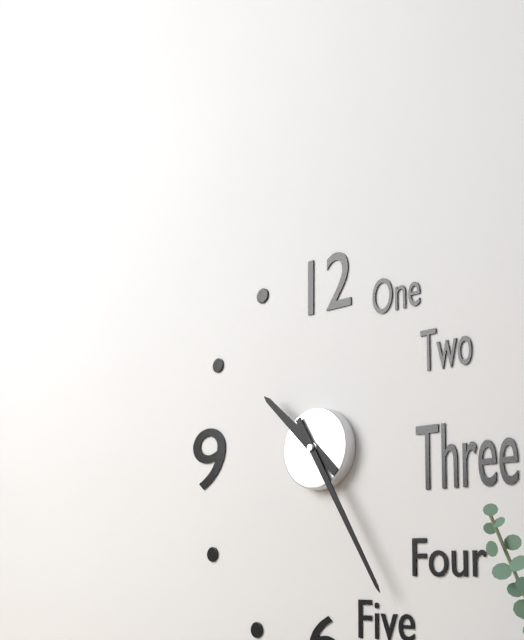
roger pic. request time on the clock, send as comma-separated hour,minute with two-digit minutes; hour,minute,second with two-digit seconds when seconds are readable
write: 10,25
